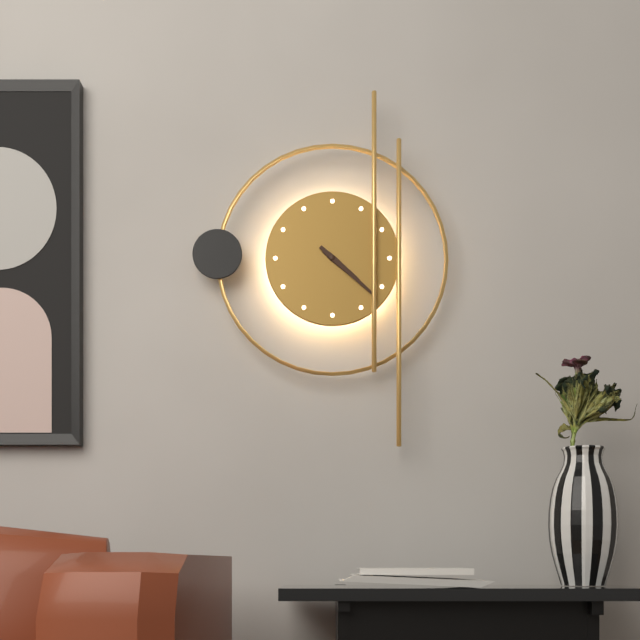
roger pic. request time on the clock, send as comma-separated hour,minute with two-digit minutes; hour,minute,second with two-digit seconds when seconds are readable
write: 4,22
